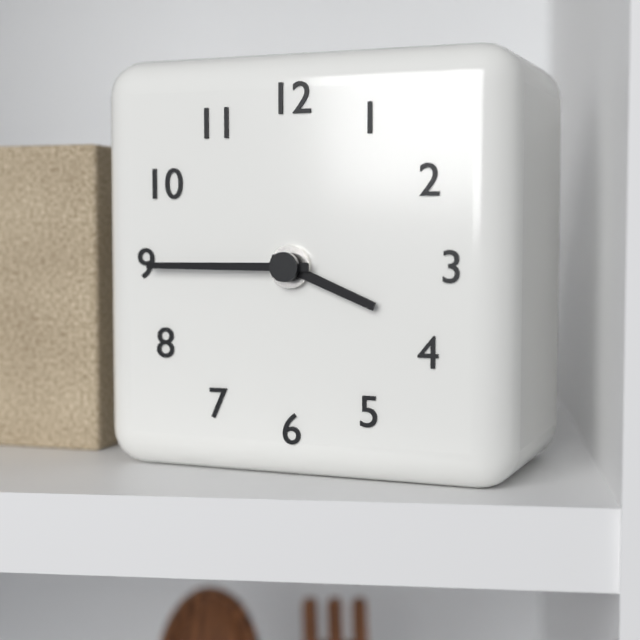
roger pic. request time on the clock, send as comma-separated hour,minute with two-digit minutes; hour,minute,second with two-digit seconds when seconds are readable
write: 3,45
